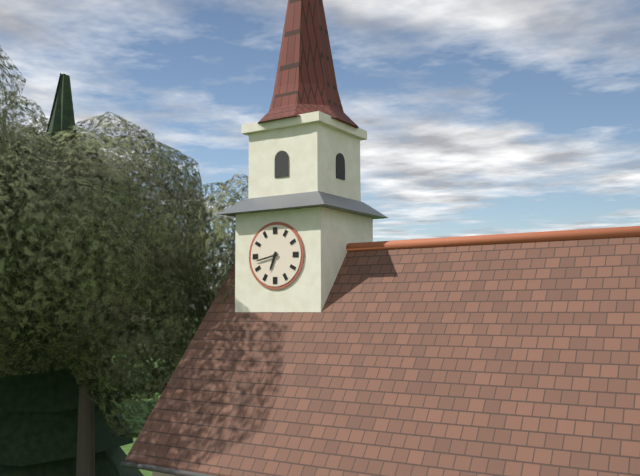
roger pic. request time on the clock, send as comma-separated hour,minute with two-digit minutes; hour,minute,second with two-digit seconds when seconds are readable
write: 6,43
